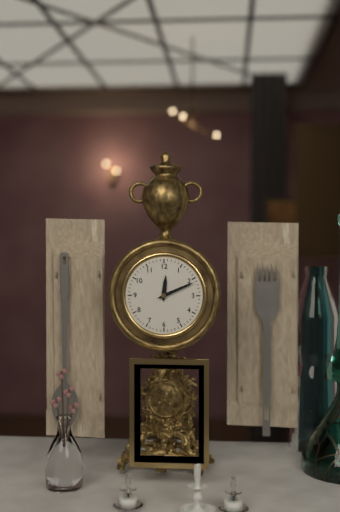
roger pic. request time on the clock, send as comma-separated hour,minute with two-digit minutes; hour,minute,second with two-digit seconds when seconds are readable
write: 12,11
